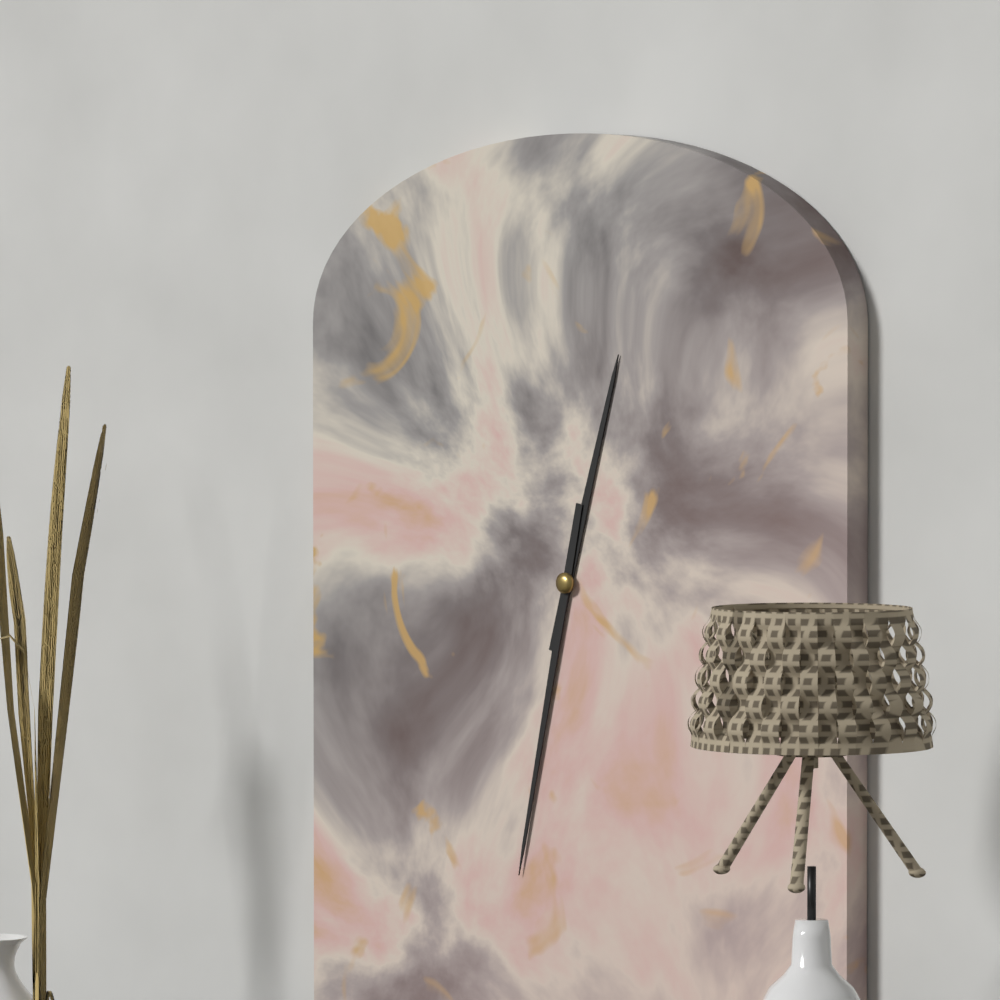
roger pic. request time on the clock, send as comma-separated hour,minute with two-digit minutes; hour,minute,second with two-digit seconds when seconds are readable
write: 12,32
